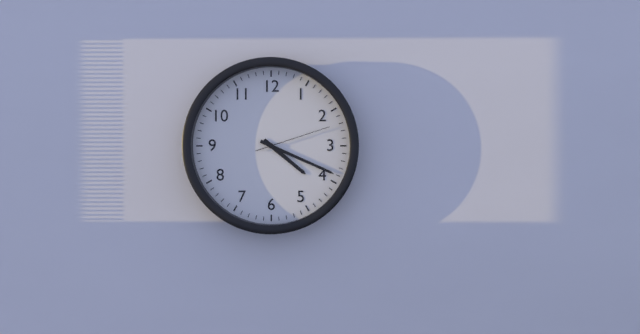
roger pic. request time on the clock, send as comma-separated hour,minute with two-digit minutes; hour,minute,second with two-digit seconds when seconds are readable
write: 4,19,12
